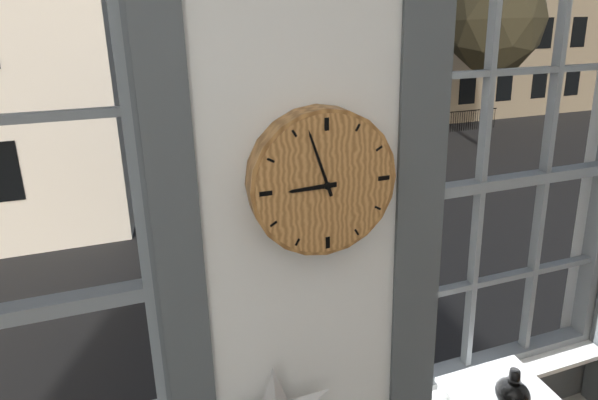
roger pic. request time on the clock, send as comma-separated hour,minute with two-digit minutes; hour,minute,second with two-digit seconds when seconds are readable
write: 8,57
